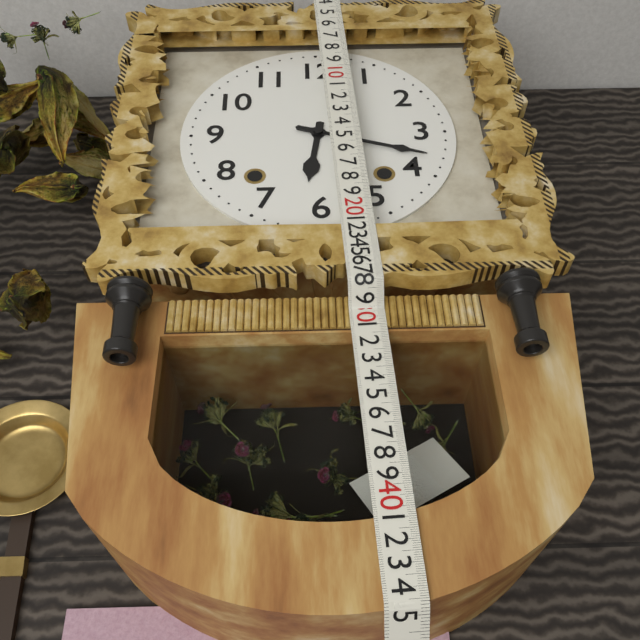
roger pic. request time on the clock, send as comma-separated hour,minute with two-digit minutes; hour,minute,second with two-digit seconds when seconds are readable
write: 6,18
